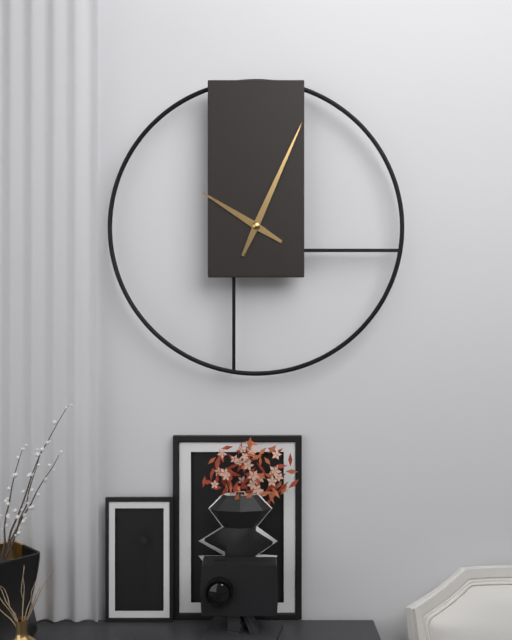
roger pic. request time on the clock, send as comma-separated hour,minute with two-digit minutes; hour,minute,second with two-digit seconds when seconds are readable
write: 10,04
